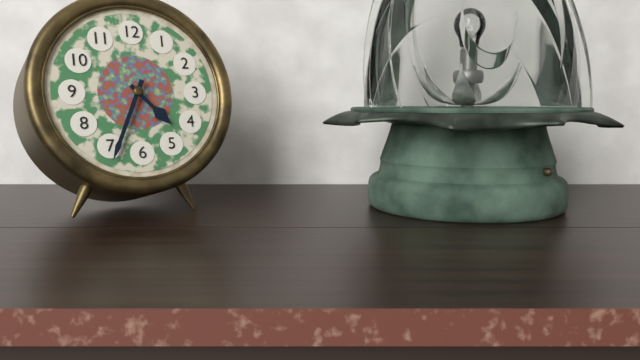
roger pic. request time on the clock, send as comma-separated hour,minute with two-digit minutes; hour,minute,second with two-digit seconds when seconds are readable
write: 4,34
